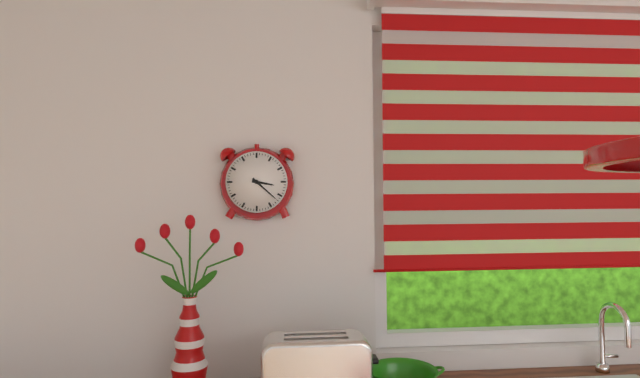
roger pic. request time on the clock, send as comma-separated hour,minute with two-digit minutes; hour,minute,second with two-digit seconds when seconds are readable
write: 3,22
